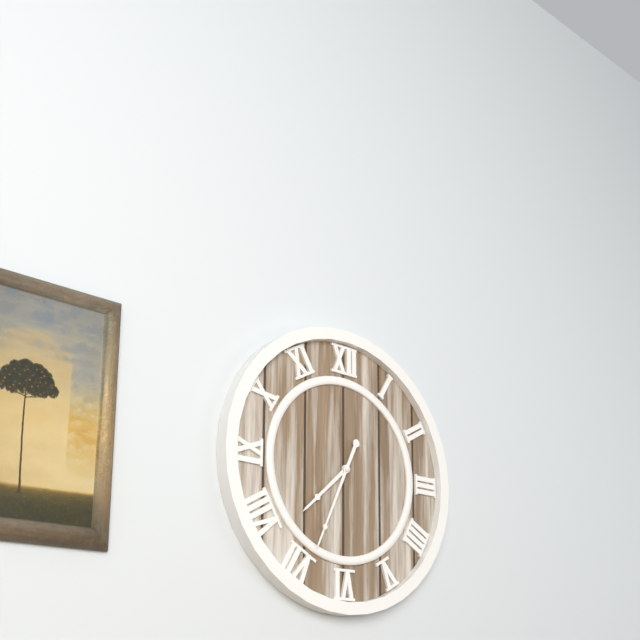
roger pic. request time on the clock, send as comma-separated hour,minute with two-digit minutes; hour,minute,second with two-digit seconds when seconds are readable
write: 7,34
